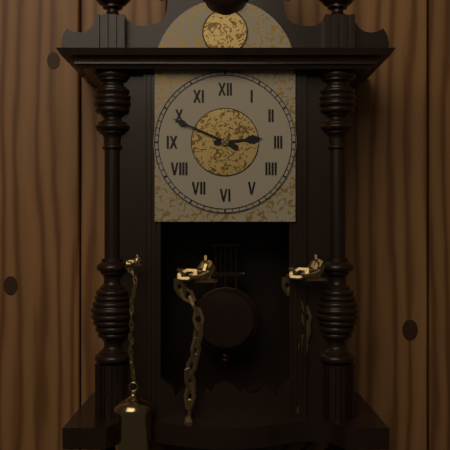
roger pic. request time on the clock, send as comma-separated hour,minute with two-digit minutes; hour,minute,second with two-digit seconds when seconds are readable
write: 2,49
